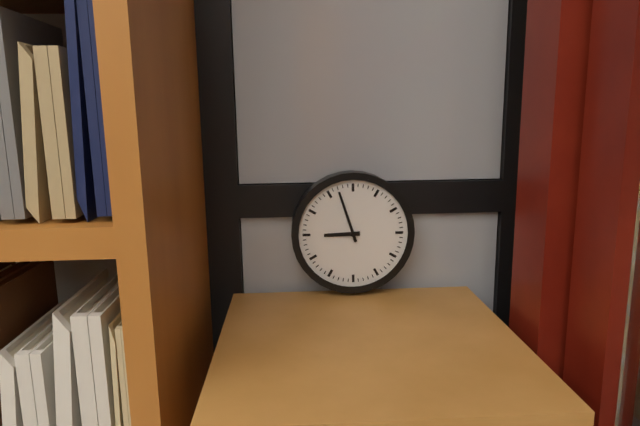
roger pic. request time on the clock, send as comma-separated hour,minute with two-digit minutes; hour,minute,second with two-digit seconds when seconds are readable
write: 8,57
